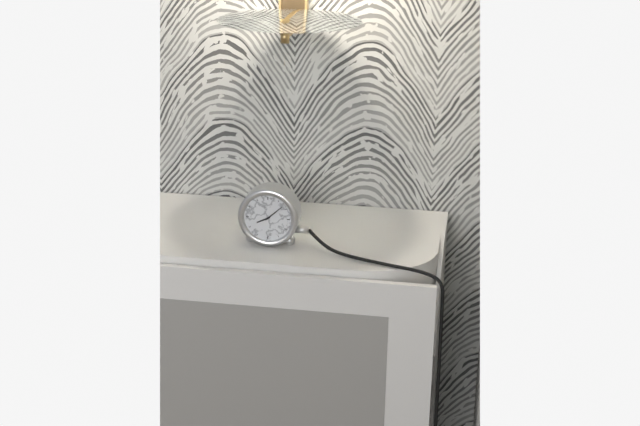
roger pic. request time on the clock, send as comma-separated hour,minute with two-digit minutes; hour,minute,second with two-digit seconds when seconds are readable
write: 8,08
